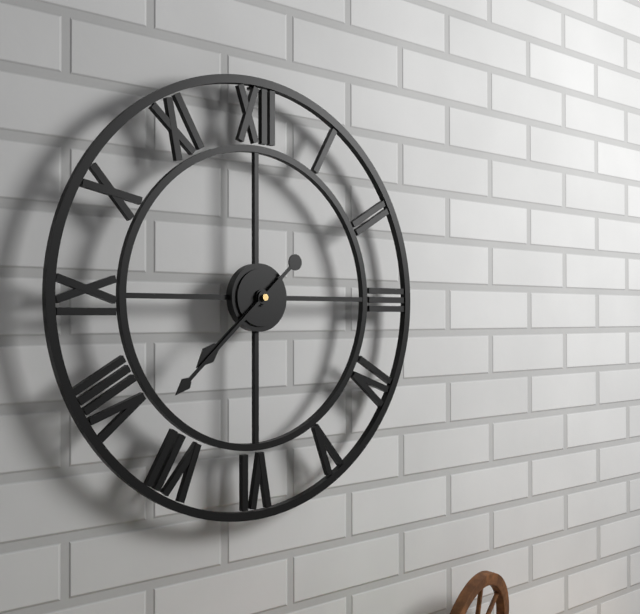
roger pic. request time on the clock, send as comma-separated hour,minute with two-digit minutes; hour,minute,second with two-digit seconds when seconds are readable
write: 7,38
